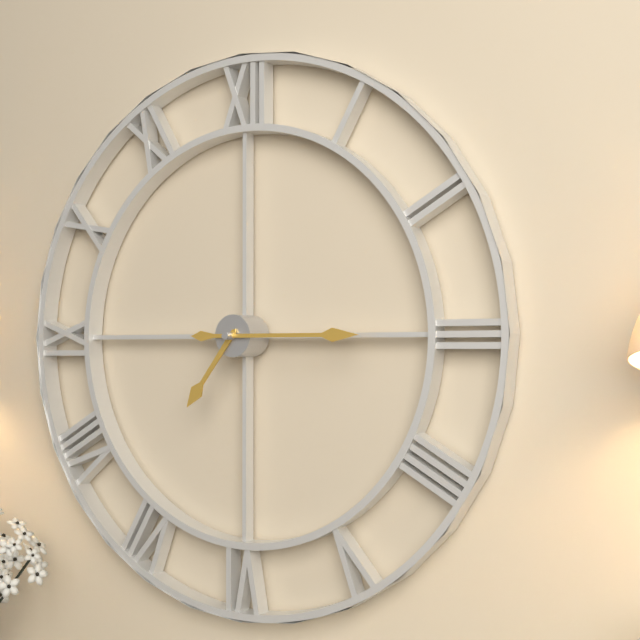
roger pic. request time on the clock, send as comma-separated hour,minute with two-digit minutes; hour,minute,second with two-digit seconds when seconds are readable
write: 7,15
